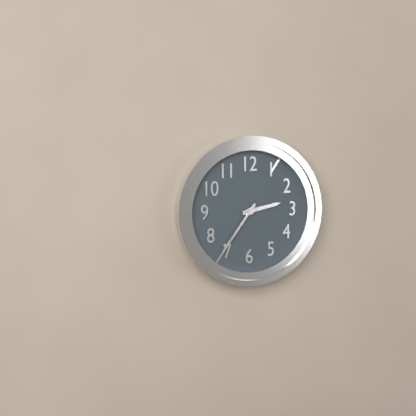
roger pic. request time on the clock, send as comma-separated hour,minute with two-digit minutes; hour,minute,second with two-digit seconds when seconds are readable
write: 2,36
